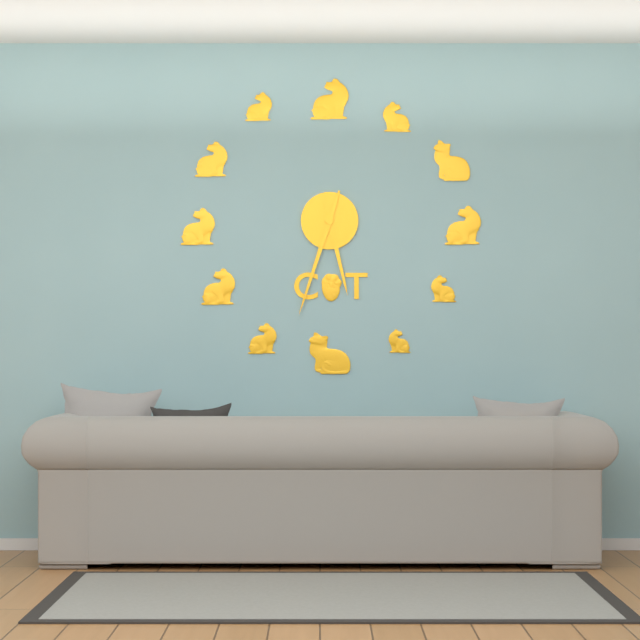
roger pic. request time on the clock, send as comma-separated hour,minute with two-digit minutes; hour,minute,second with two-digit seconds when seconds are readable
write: 5,33
